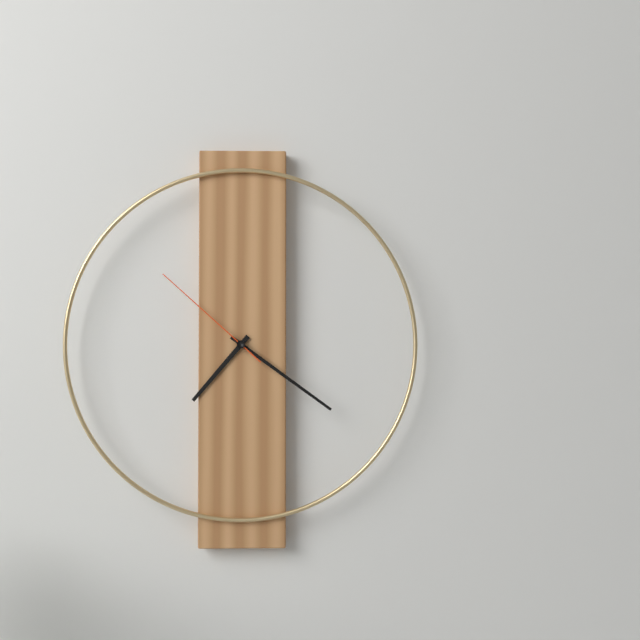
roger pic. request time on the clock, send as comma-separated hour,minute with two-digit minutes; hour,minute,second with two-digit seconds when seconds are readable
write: 7,21,52
